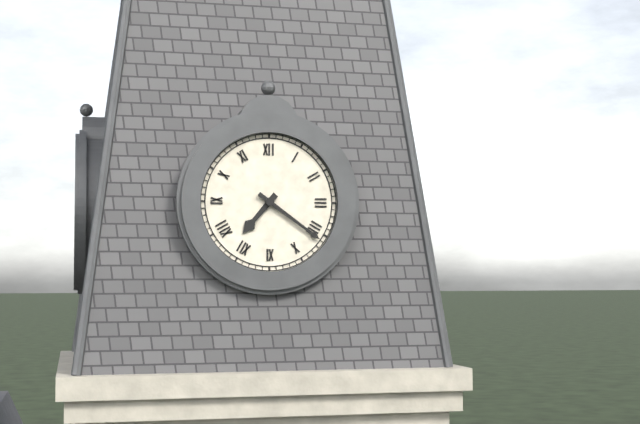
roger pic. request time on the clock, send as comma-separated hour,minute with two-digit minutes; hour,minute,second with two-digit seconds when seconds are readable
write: 7,21
